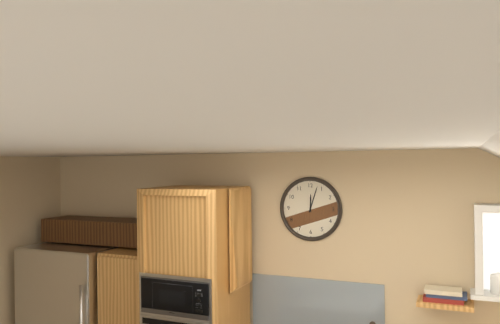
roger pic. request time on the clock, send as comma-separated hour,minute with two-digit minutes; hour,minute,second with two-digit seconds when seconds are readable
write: 12,03
